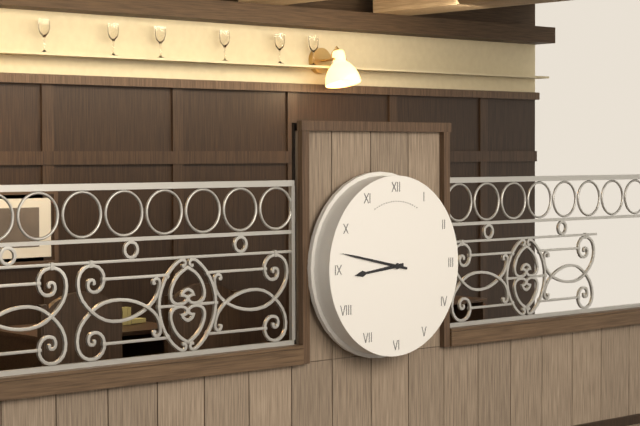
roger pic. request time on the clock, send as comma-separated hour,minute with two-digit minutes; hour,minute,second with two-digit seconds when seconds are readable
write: 8,47
